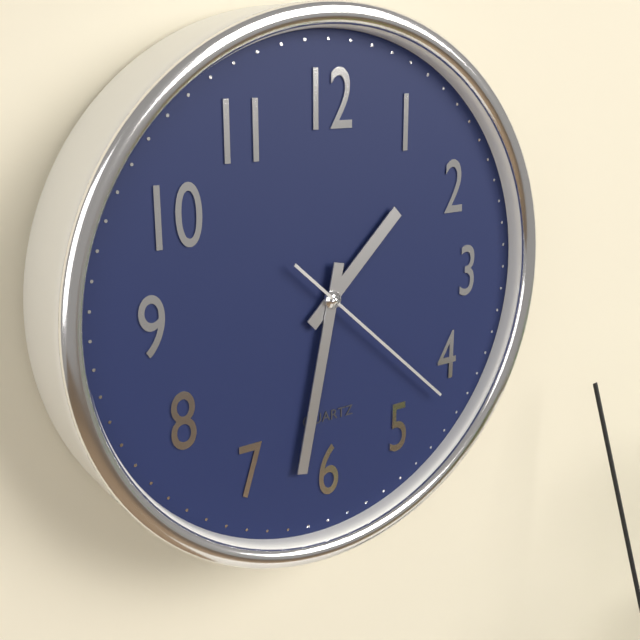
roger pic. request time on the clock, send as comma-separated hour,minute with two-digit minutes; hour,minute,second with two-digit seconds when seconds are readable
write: 1,32,22
